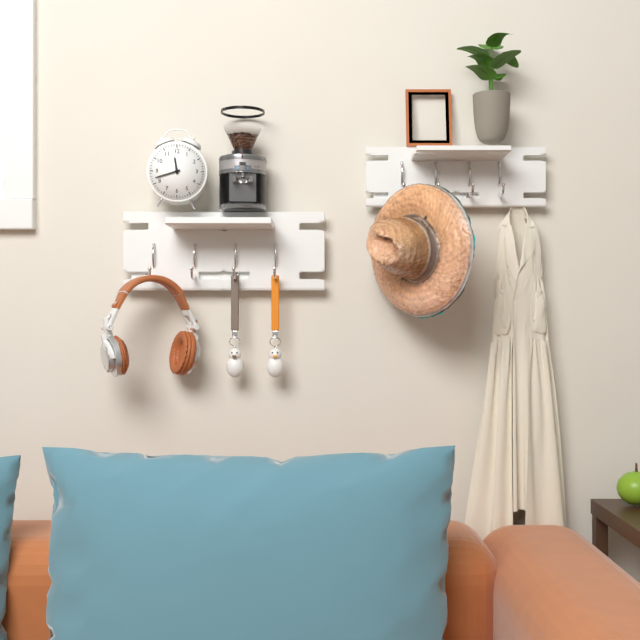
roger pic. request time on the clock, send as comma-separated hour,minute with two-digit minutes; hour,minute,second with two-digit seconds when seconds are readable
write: 11,42
